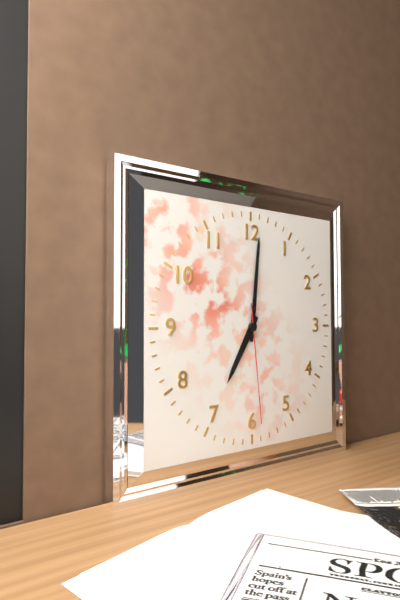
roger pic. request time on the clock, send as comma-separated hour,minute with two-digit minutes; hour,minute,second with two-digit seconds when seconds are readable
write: 7,01,29
